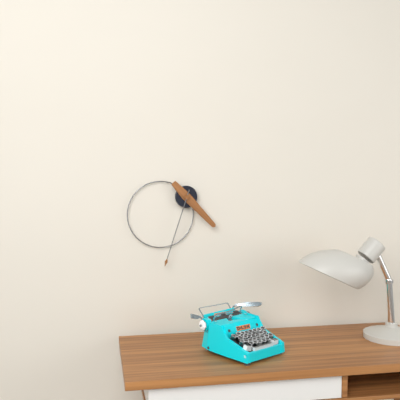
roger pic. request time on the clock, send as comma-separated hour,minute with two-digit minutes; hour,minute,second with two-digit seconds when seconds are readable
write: 4,33
